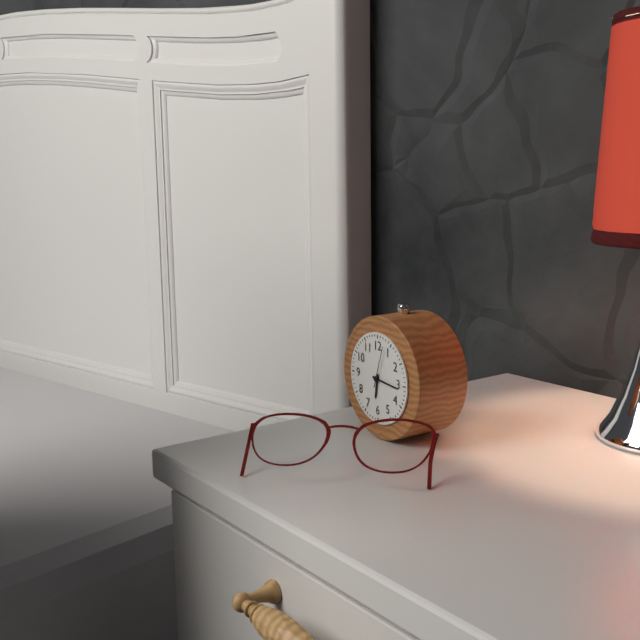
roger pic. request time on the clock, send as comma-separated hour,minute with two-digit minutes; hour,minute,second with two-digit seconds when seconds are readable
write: 6,16
